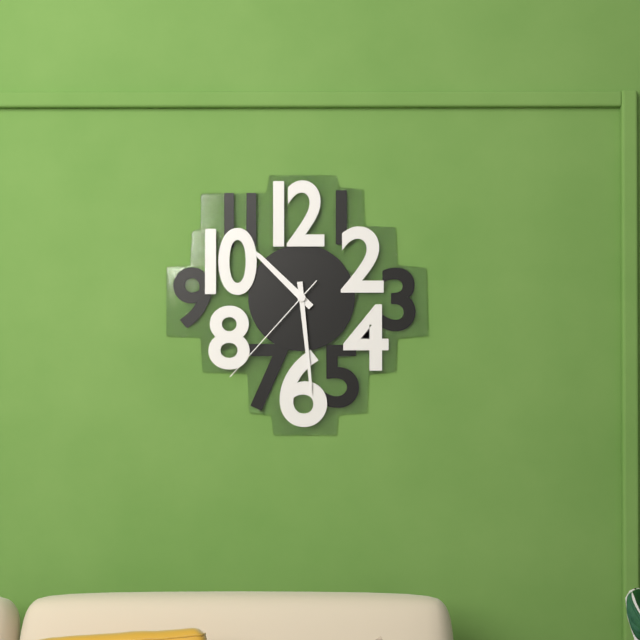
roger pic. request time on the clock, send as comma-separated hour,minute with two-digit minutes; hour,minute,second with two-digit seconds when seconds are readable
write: 10,29,37
